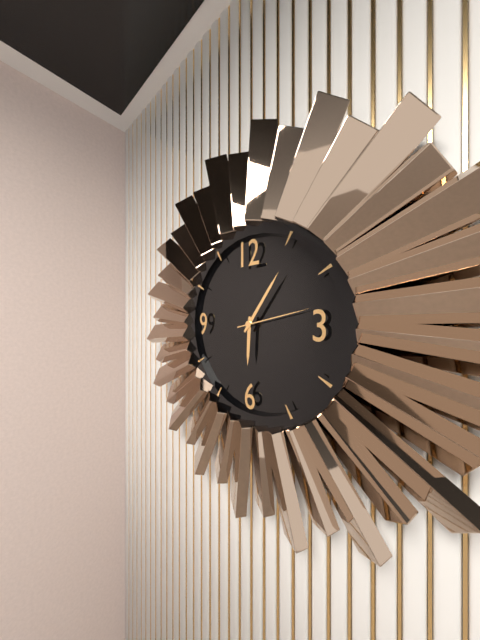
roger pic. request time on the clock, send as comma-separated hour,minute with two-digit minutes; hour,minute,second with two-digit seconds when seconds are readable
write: 6,06,13
